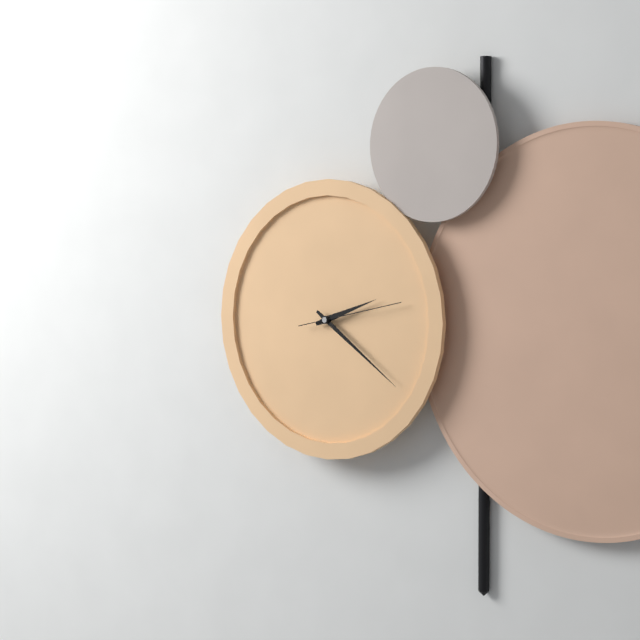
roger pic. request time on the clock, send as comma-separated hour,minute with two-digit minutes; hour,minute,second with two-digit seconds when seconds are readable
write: 2,21,13
